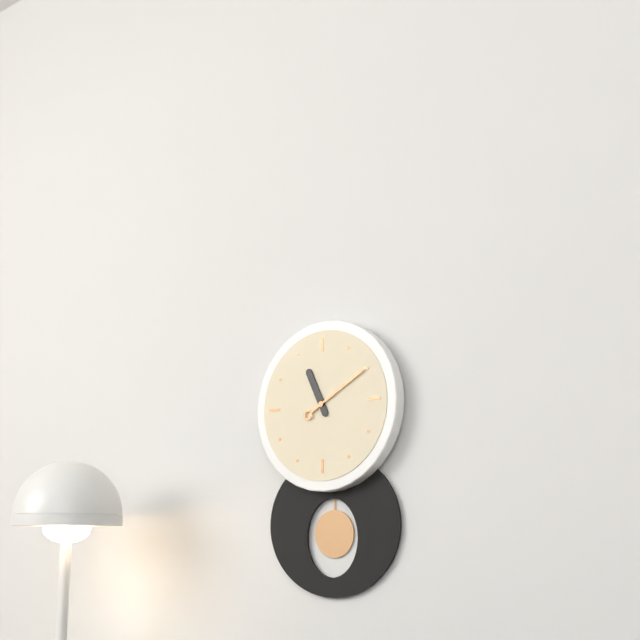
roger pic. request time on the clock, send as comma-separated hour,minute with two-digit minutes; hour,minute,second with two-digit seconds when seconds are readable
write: 11,10
